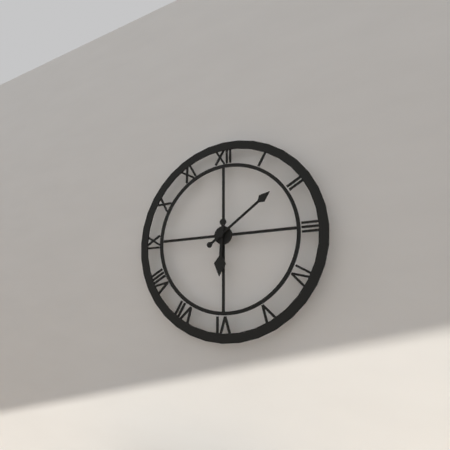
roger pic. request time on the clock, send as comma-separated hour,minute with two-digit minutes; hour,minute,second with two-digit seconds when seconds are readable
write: 6,09
